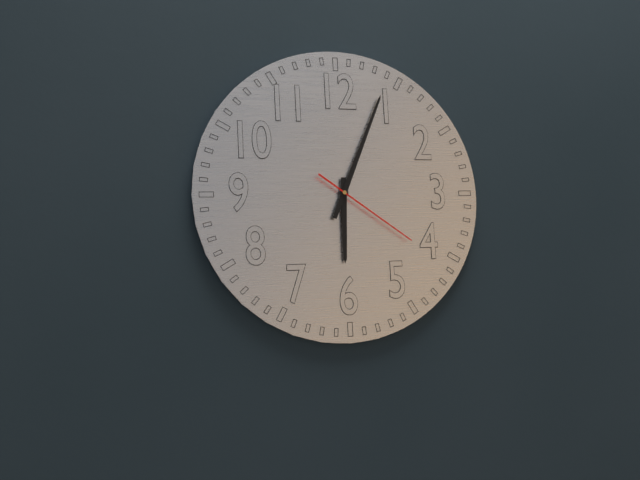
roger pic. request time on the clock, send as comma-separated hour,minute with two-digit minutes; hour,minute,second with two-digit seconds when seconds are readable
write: 6,04,21
